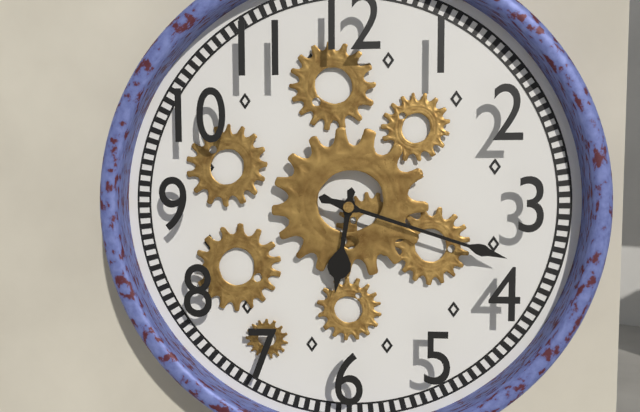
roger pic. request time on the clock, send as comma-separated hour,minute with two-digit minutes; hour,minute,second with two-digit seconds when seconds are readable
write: 6,18
